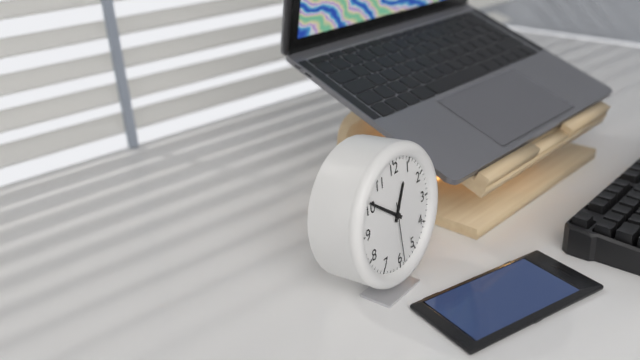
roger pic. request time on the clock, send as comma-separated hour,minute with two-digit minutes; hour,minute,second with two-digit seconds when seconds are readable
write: 12,51,29
